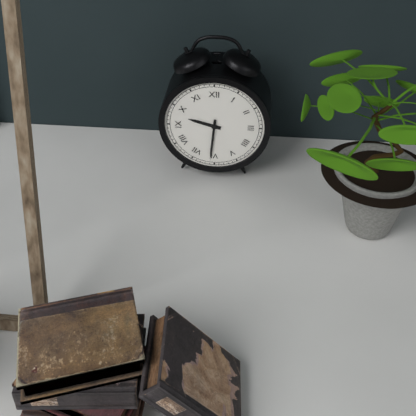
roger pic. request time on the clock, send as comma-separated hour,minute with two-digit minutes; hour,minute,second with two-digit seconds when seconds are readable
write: 9,31
